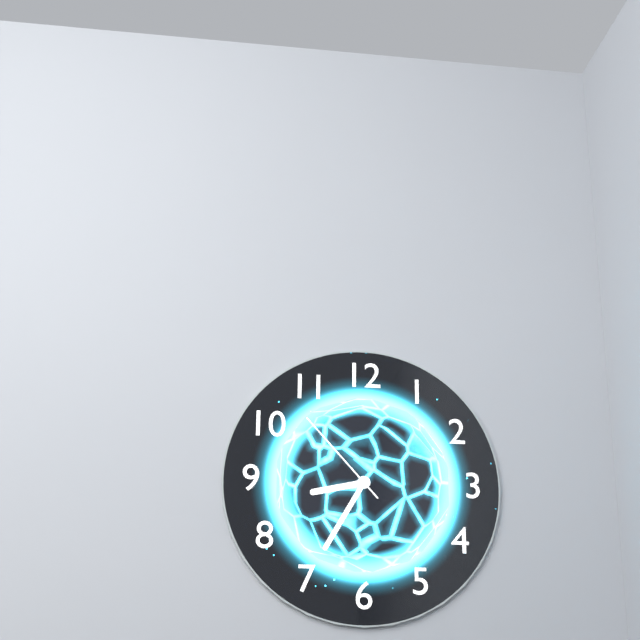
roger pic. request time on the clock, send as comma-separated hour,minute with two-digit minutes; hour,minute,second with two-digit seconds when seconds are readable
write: 8,35,53
